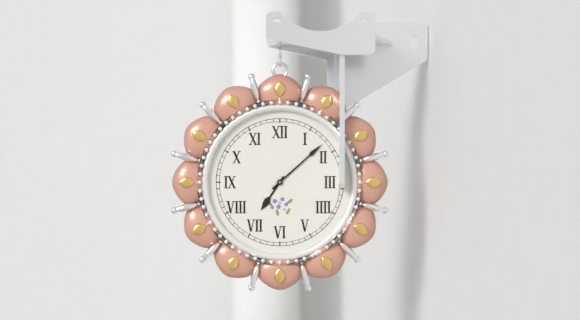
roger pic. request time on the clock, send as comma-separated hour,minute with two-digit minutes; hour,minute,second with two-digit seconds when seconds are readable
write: 7,08
